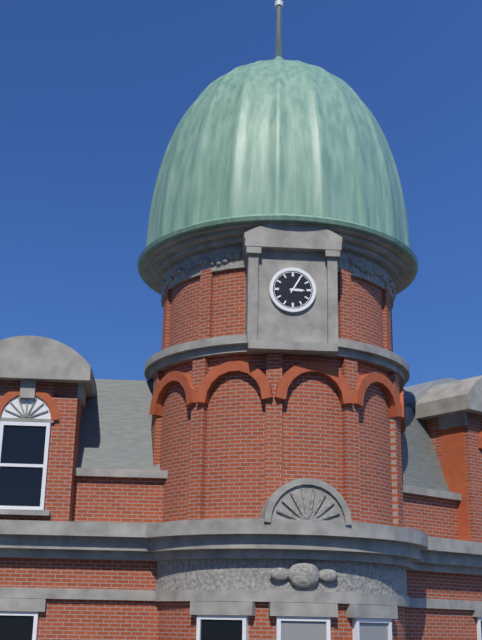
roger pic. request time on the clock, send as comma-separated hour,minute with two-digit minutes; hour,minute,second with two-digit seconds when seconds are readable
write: 3,05
